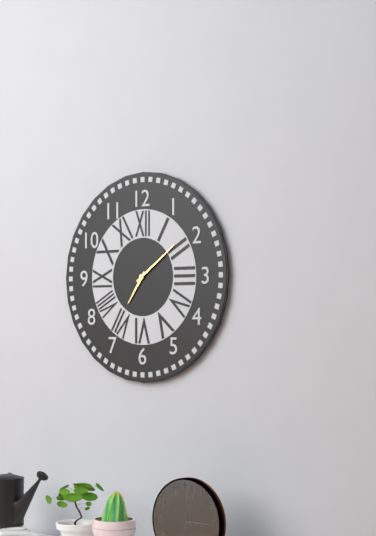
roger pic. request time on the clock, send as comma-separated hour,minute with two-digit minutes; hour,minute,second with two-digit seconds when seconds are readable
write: 7,09
